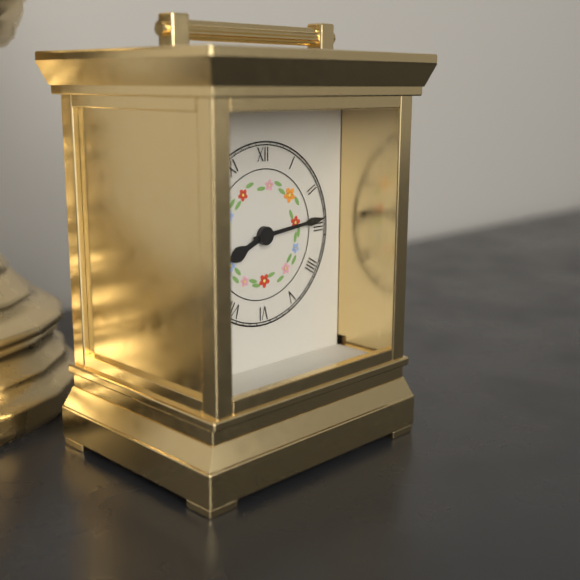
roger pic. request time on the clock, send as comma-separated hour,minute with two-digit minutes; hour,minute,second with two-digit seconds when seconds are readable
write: 8,14
